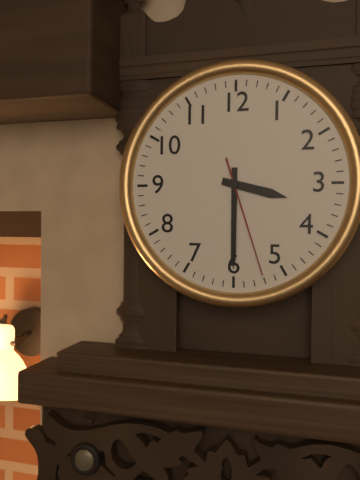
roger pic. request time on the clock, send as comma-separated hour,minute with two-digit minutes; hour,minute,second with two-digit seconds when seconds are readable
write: 3,30,27
